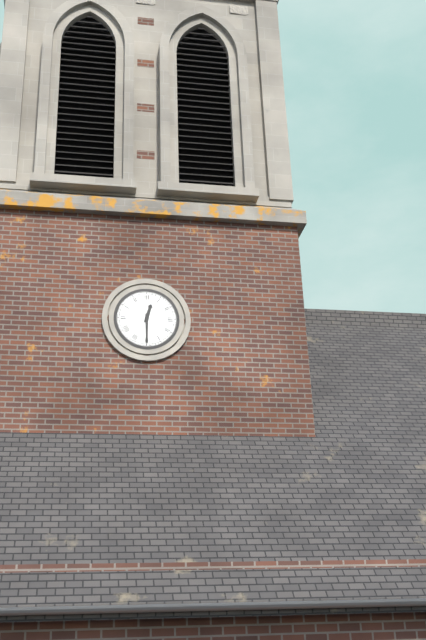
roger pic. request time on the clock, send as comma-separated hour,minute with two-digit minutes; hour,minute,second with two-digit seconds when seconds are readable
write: 12,30
